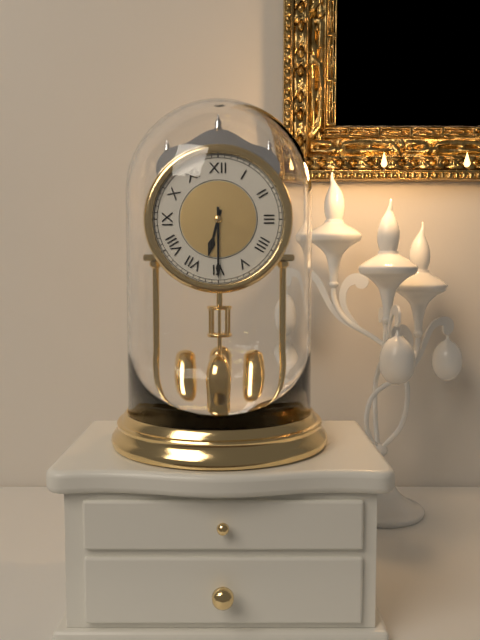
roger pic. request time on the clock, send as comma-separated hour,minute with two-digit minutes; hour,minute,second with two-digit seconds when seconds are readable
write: 6,30
